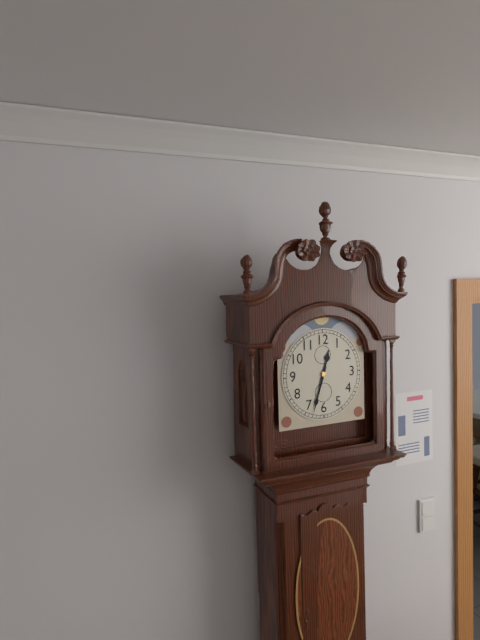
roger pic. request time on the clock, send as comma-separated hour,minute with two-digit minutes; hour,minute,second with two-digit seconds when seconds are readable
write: 12,33
